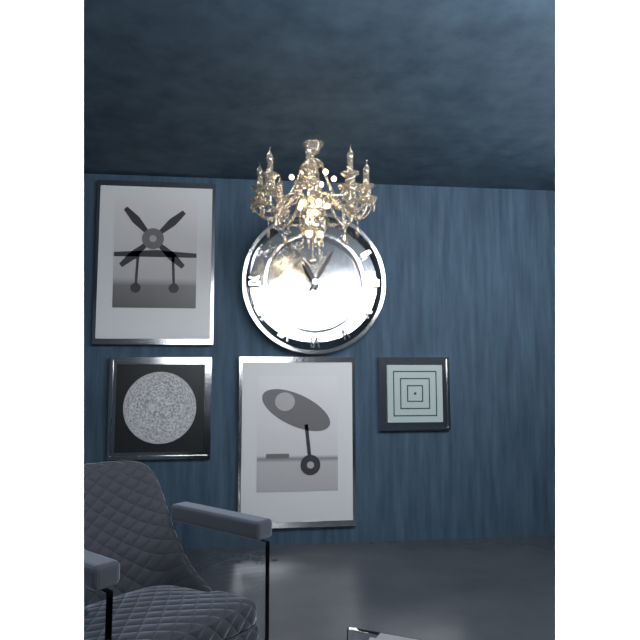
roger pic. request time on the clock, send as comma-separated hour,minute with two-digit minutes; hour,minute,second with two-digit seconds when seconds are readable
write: 11,05
